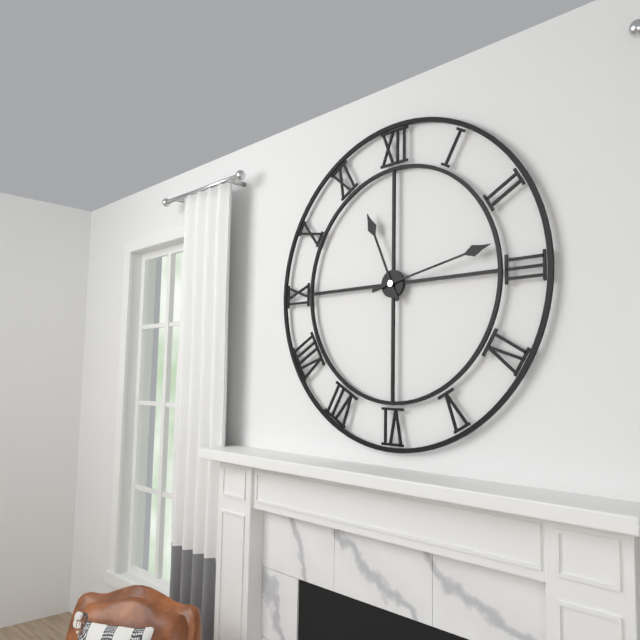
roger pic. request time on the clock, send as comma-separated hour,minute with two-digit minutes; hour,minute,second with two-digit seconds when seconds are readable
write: 11,13
